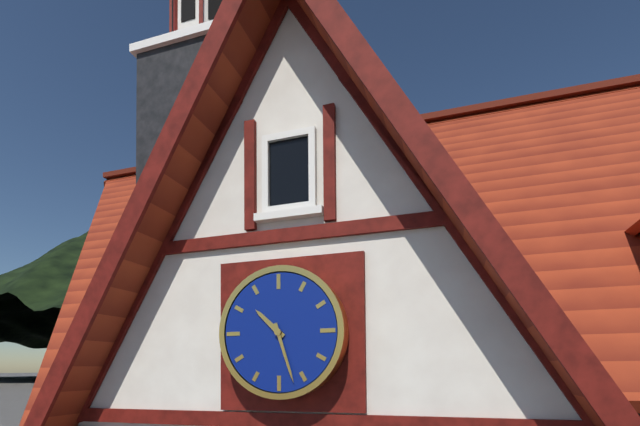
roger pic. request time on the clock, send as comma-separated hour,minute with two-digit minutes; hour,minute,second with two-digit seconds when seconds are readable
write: 10,27
